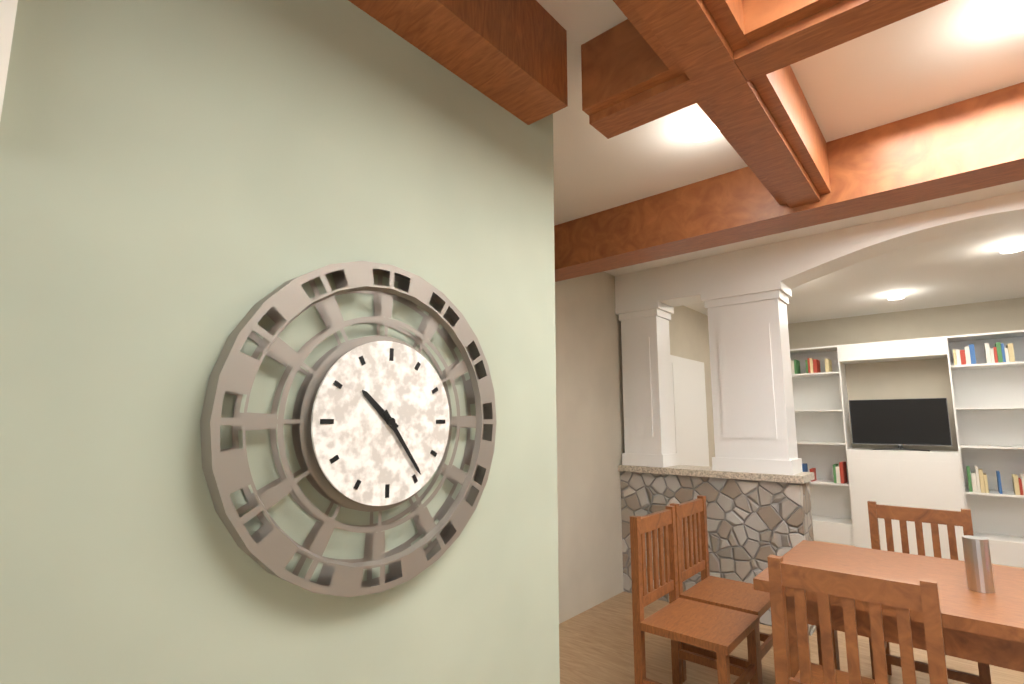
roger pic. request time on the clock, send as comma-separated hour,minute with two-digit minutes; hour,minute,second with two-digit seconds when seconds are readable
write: 10,24
